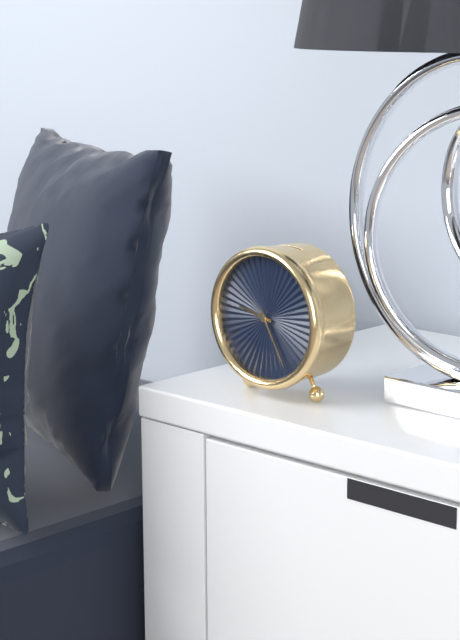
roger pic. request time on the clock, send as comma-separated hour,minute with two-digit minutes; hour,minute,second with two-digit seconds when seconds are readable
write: 9,25
